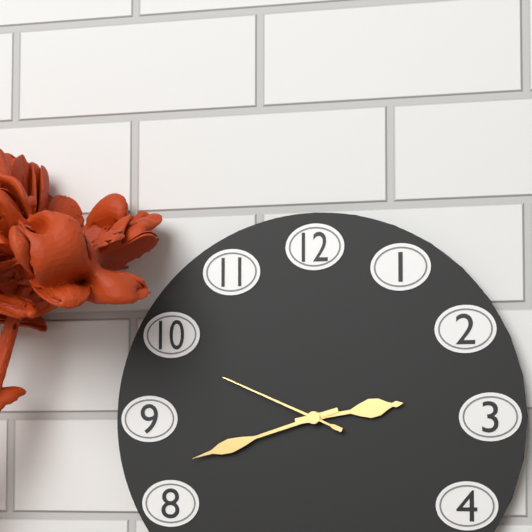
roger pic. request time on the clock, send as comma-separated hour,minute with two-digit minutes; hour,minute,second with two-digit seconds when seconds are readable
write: 2,42,49
